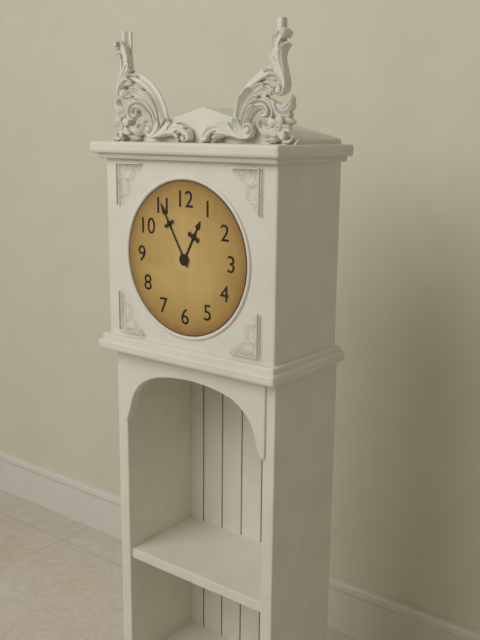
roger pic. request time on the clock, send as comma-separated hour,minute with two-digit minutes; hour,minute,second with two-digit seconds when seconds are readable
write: 12,55
